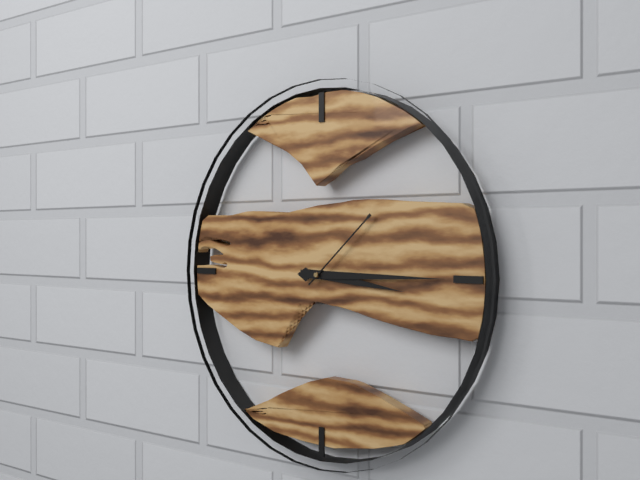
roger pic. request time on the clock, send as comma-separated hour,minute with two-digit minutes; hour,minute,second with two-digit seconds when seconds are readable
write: 3,15,08
